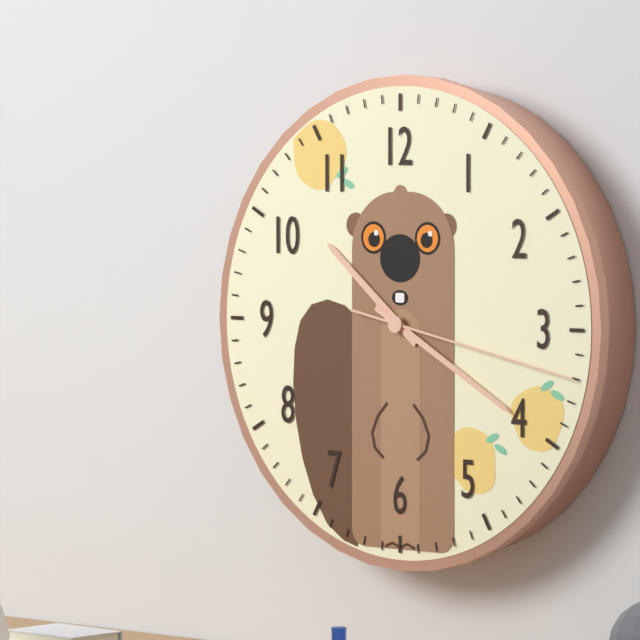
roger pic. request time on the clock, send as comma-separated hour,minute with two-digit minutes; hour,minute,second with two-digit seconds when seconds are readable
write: 10,20,17
